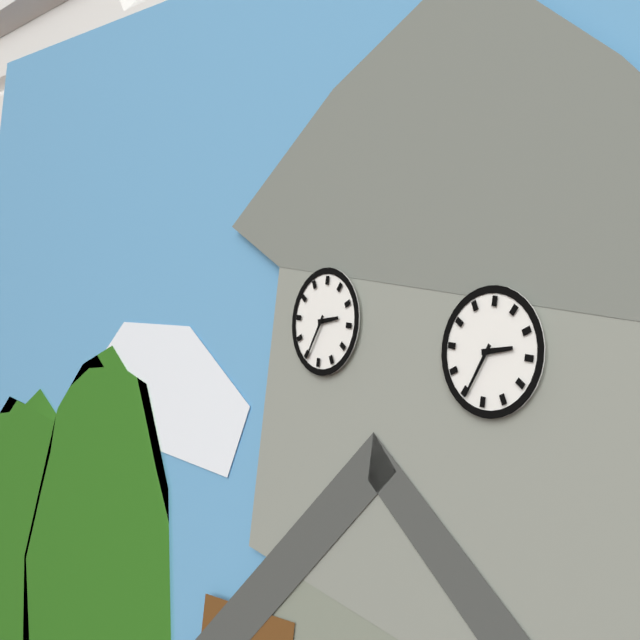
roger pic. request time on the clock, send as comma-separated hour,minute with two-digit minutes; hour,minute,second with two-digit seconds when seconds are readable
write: 2,34
